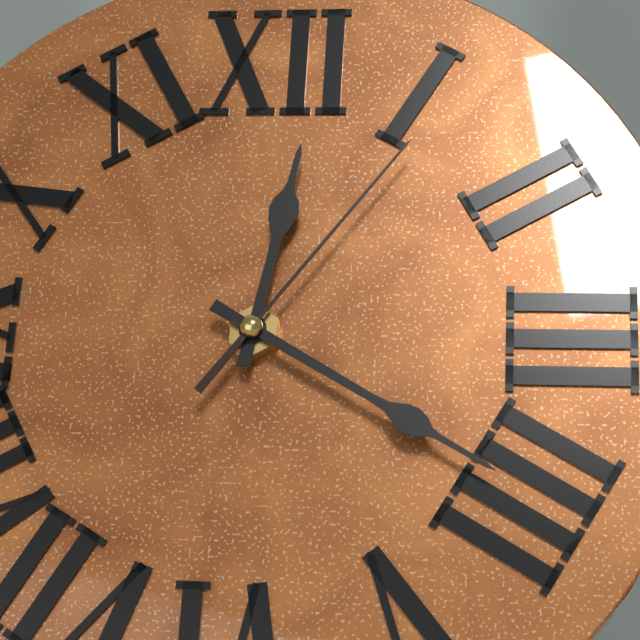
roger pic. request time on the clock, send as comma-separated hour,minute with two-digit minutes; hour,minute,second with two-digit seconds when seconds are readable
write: 12,20,06
